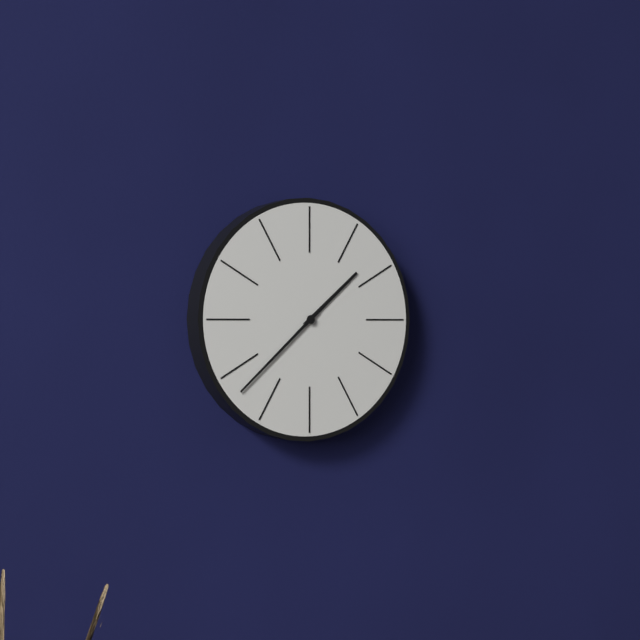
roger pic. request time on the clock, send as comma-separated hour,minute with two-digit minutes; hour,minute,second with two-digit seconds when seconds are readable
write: 1,38
